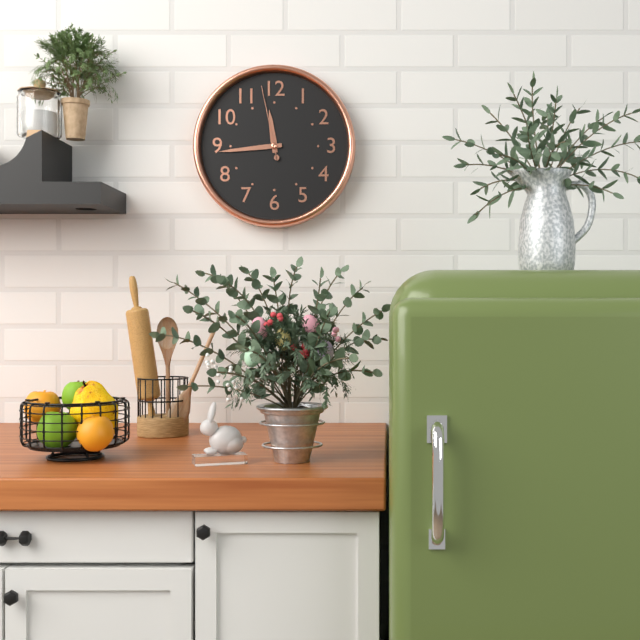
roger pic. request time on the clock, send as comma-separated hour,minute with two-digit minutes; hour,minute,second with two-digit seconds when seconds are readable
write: 11,44,58
